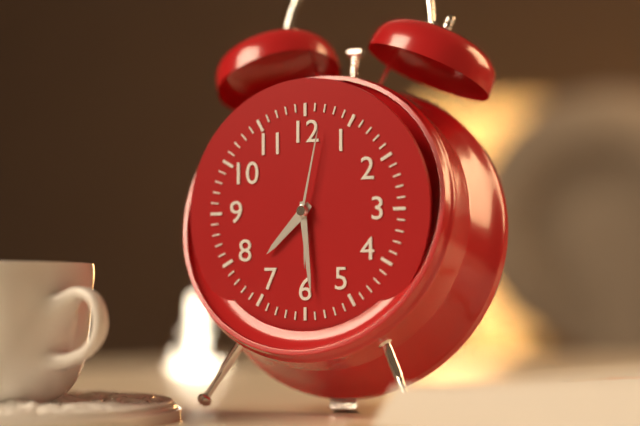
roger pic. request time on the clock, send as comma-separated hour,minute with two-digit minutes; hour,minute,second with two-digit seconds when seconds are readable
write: 7,29,02
